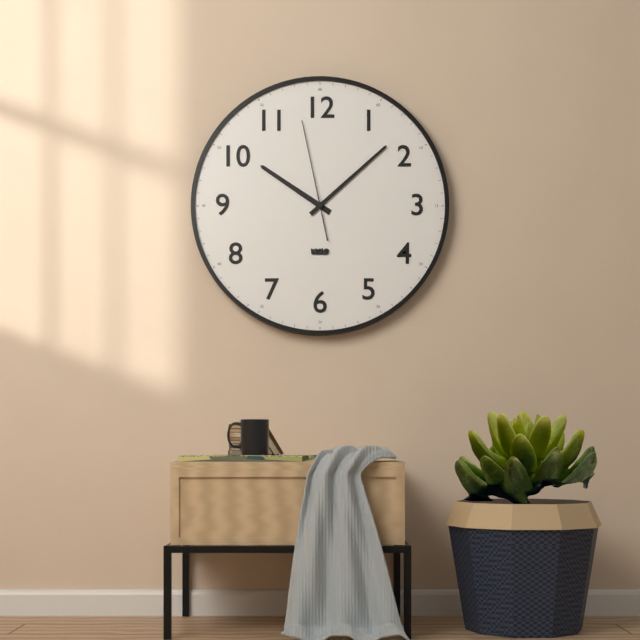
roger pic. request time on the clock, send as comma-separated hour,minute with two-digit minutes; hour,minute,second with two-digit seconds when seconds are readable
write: 10,08,58
